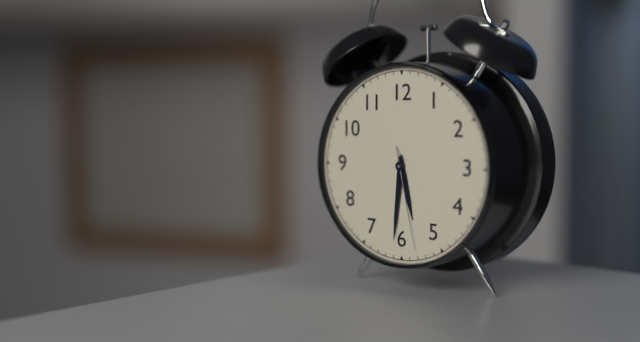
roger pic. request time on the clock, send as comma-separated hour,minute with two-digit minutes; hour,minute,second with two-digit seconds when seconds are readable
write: 5,31,28
